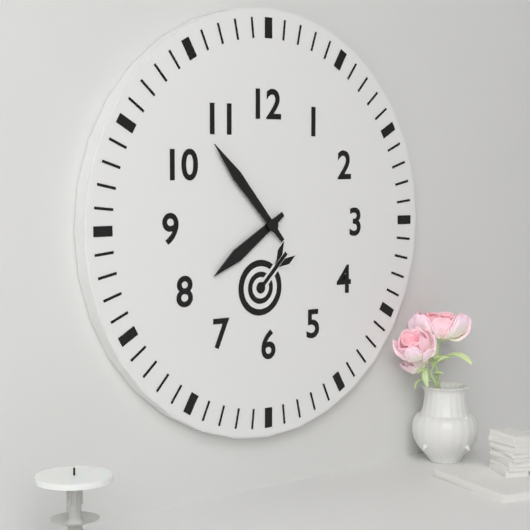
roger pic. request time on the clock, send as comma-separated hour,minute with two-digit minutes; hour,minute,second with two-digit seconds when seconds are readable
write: 7,53
